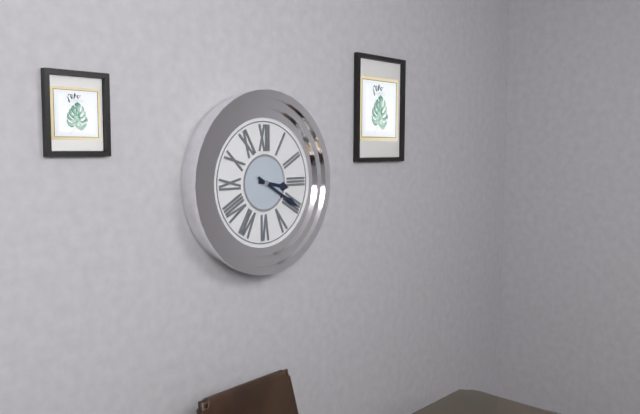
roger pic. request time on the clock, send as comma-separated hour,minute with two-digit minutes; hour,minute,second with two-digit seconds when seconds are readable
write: 3,20
